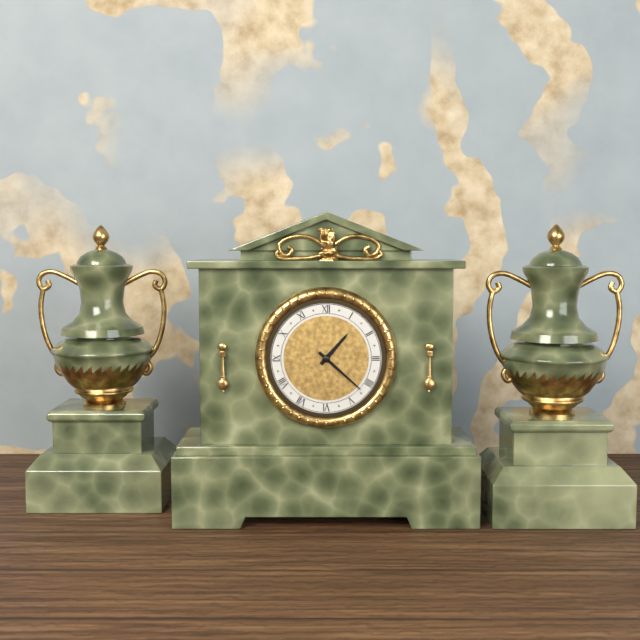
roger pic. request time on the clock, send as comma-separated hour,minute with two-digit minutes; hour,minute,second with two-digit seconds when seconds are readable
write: 1,22
